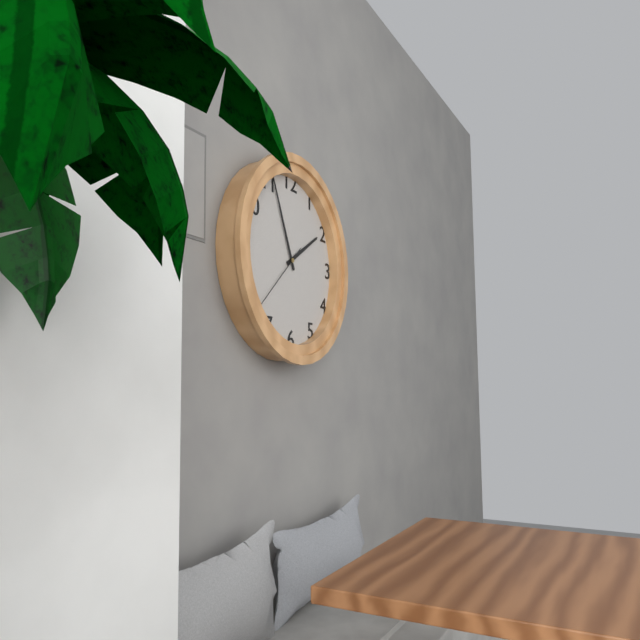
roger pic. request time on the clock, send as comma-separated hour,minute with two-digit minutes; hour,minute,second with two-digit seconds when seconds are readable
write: 1,56,38
